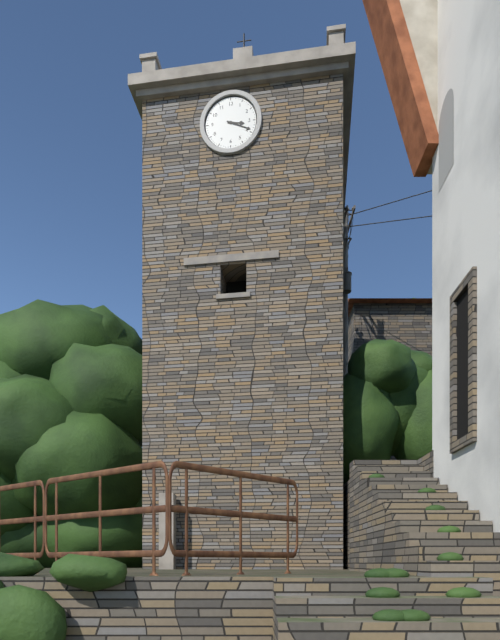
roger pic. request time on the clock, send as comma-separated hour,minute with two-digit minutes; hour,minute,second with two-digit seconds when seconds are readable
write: 3,19
